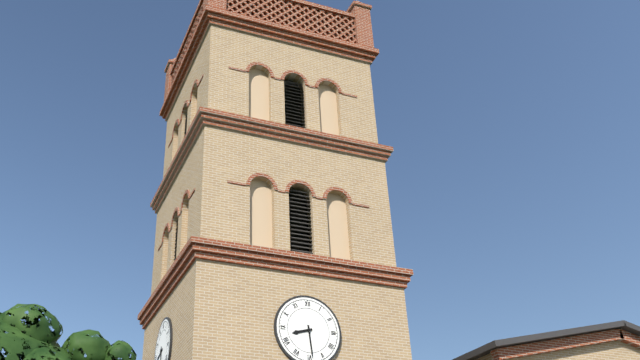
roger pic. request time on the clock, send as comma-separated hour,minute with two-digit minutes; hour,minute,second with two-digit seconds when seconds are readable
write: 8,29
